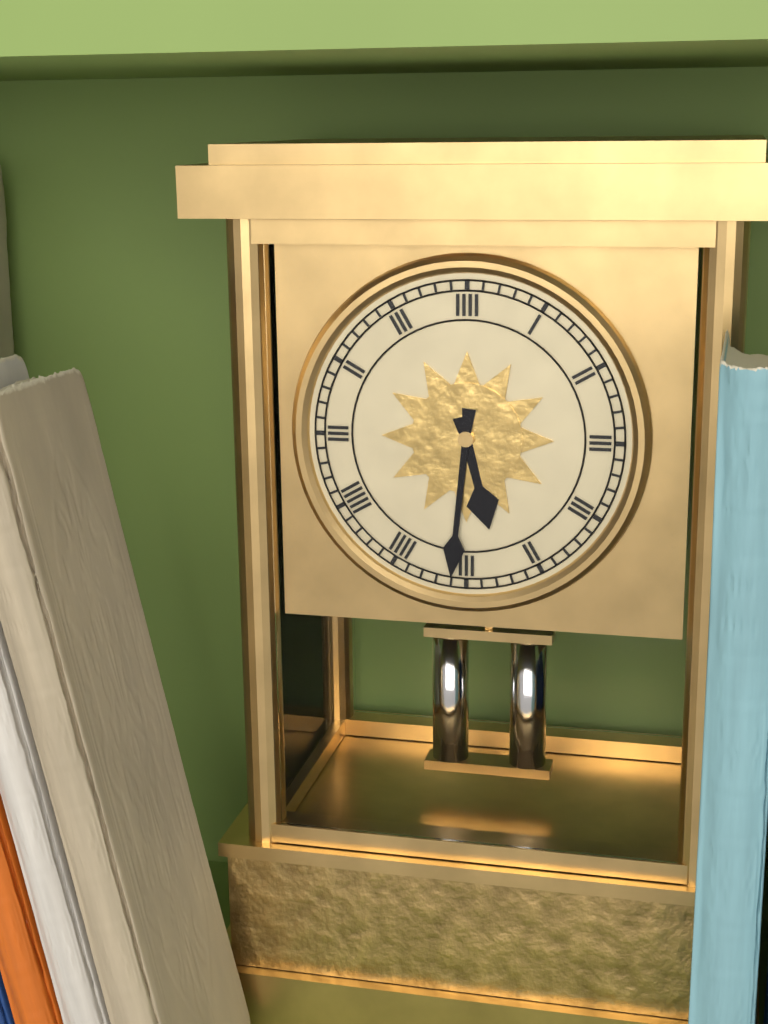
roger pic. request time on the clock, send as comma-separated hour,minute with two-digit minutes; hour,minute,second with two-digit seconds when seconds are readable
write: 5,31
